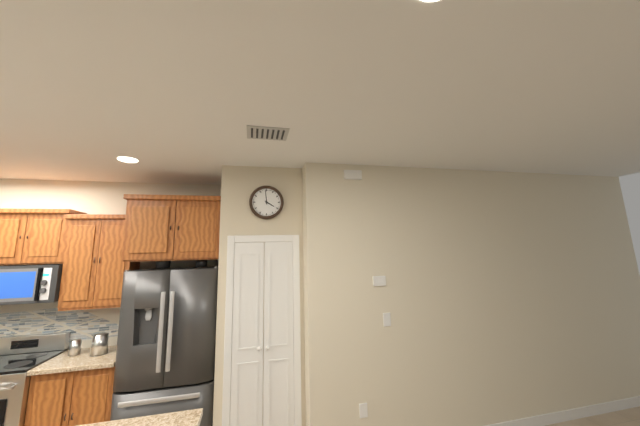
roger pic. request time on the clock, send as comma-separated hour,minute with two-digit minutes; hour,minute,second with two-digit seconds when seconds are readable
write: 3,59
